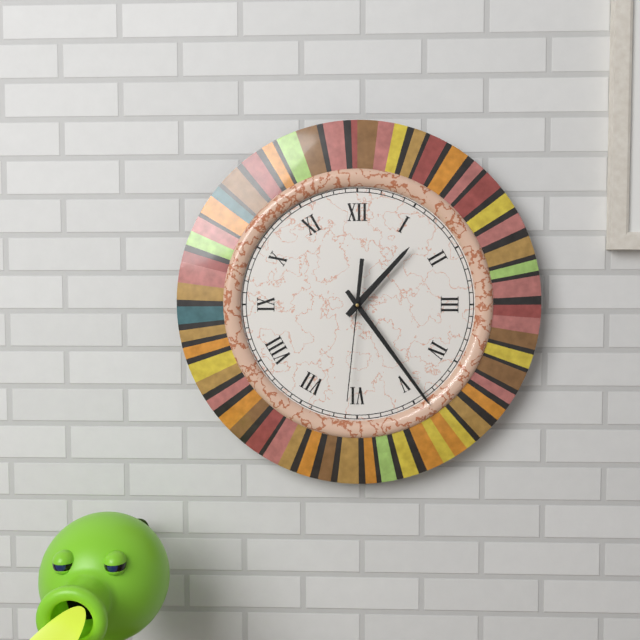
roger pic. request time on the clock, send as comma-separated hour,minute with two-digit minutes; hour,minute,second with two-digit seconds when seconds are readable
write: 1,24,31
